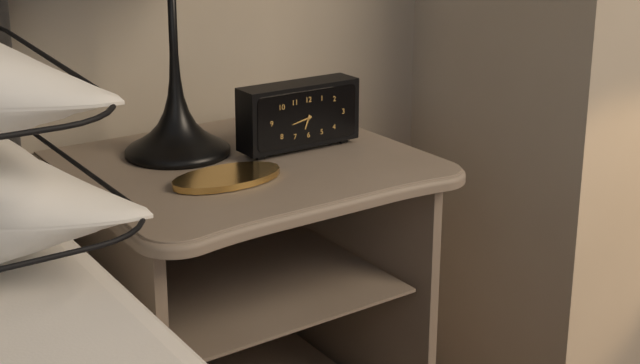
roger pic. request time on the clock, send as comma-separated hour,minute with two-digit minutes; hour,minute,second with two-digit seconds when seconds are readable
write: 6,43
